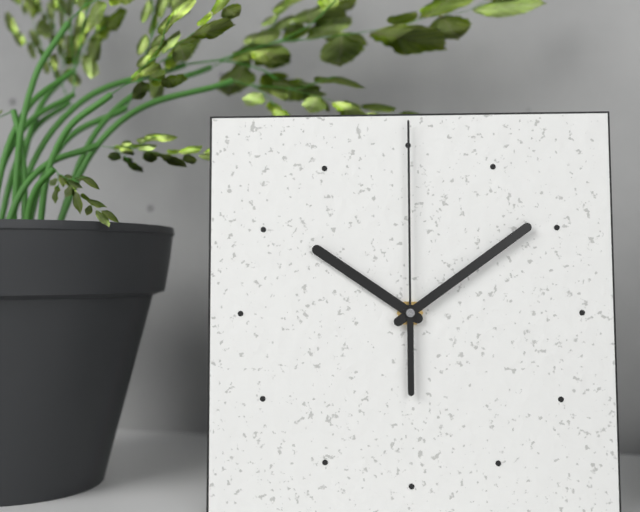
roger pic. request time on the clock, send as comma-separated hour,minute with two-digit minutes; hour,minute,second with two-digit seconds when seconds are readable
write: 10,09,00
